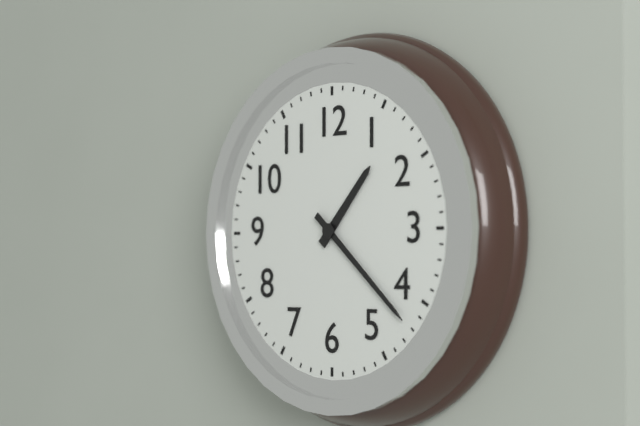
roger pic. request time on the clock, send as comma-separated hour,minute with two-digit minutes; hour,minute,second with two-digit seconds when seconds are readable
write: 1,22
